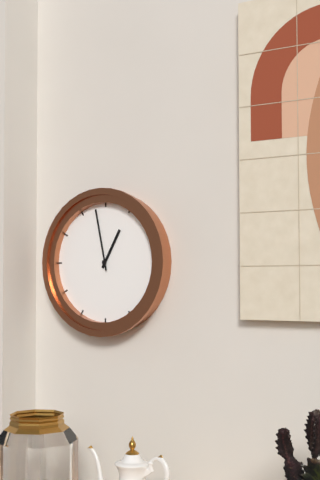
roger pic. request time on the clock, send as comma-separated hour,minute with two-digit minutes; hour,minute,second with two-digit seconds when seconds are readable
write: 12,58
